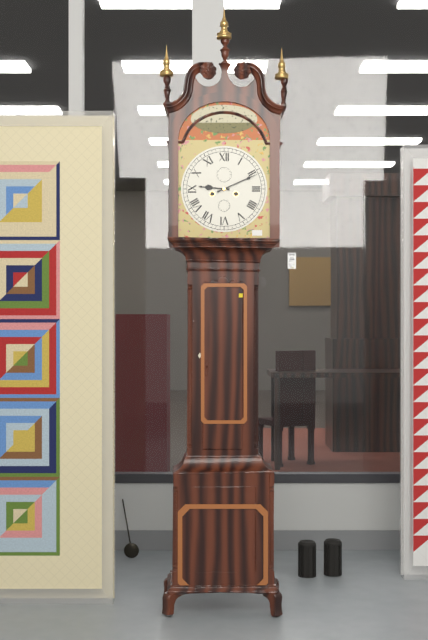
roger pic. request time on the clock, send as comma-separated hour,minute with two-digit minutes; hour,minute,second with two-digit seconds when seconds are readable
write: 9,11
